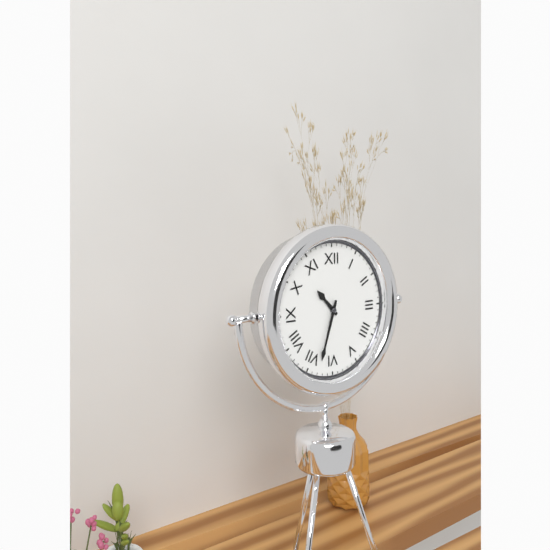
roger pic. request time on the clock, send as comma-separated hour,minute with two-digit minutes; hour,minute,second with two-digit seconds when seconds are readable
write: 10,33
